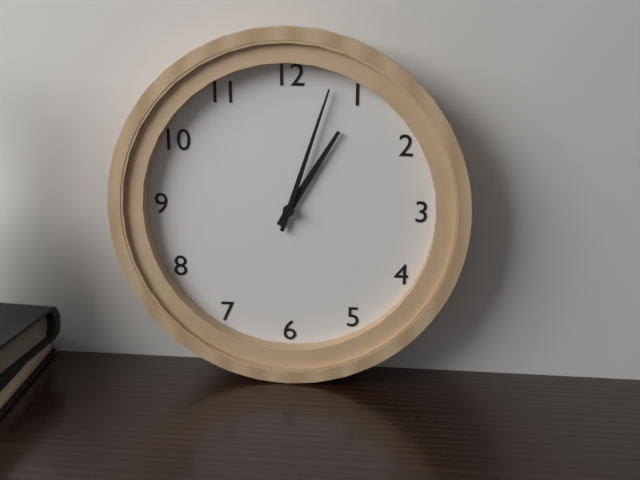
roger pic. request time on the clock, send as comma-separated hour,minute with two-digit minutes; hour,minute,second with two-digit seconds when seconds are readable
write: 1,03
